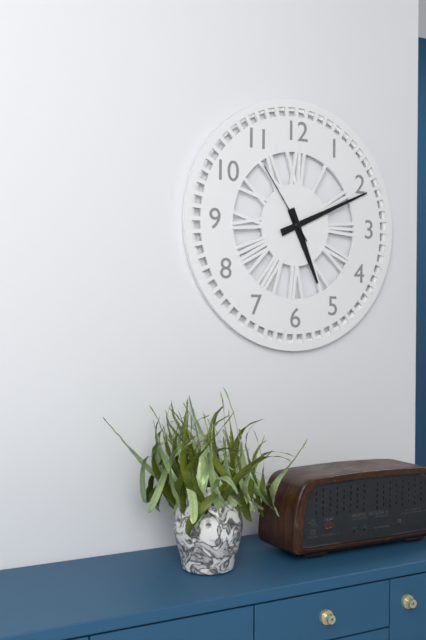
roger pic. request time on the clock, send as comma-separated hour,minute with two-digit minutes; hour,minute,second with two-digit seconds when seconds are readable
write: 5,11,54
